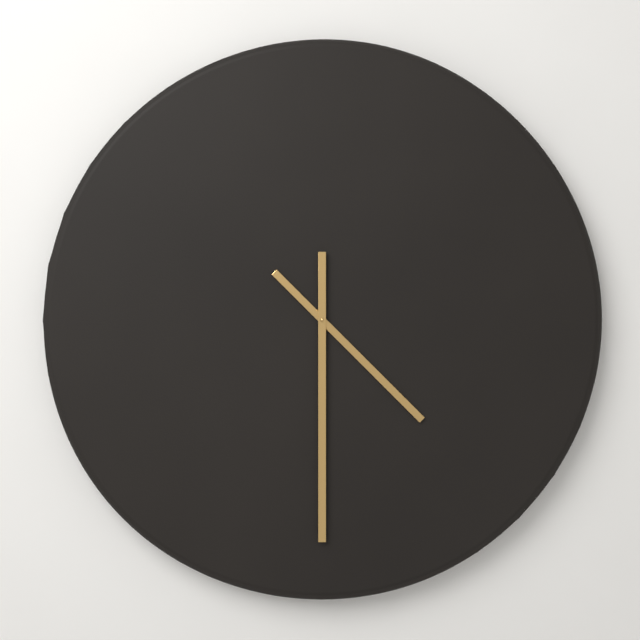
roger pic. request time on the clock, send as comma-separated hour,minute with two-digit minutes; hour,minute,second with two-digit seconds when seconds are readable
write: 4,30
